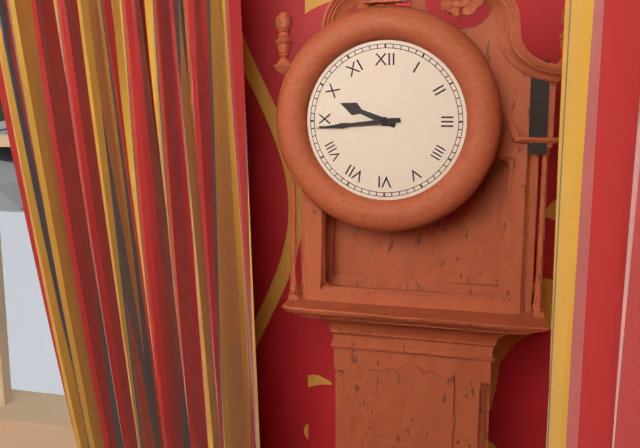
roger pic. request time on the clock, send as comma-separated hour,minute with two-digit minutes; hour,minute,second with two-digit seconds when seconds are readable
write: 9,44
